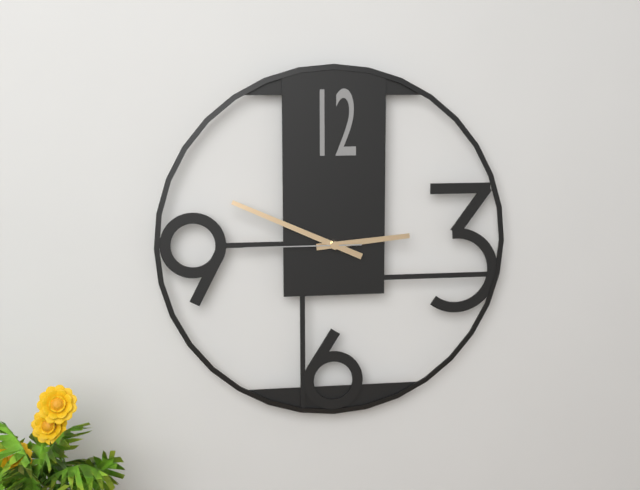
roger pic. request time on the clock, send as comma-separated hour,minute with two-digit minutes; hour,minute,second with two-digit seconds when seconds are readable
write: 2,49,45
